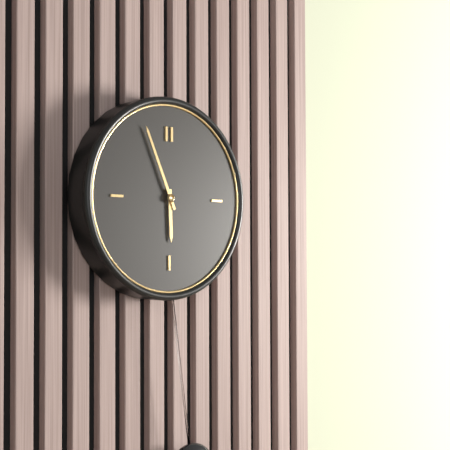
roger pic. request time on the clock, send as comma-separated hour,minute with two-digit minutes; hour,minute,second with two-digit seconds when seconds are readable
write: 5,56
